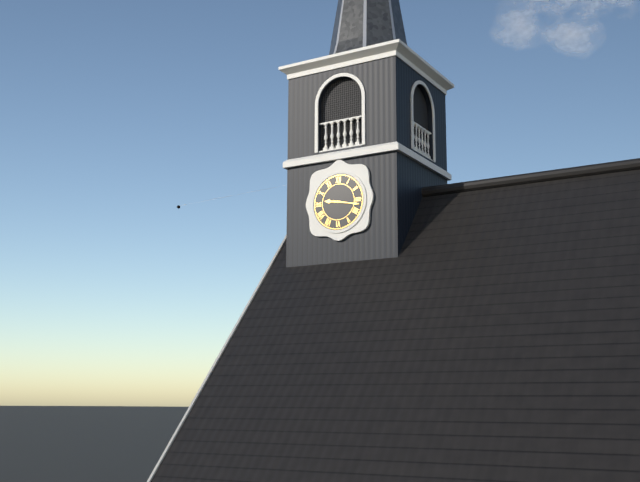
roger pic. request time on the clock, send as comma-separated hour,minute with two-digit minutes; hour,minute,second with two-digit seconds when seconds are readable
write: 9,17
